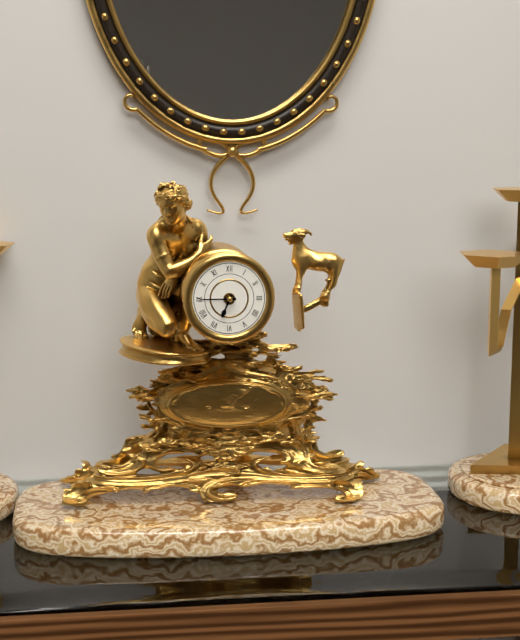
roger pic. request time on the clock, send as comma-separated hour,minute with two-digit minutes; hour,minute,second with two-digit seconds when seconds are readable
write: 6,45
